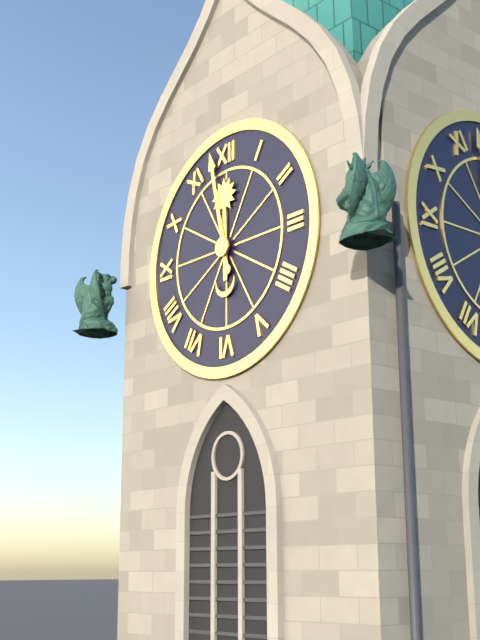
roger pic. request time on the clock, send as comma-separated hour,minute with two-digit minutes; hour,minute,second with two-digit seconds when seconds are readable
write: 11,58
